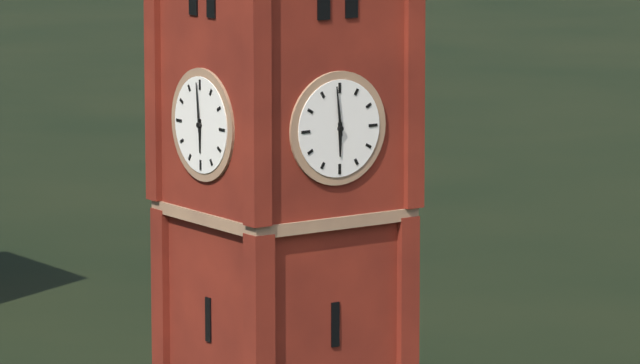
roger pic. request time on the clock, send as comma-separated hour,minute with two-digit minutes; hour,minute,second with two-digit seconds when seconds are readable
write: 5,59
